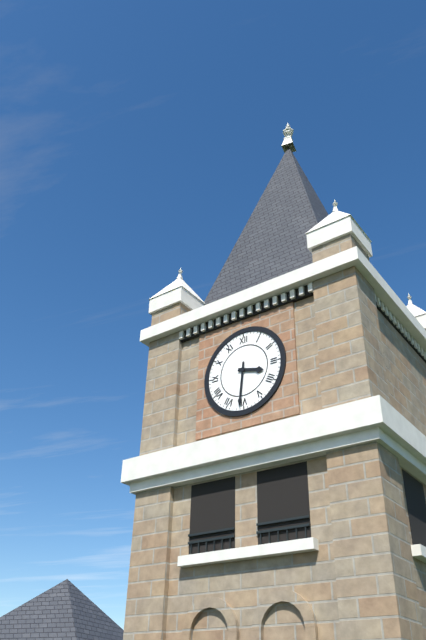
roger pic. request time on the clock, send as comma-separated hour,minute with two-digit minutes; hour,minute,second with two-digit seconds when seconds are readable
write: 3,31
